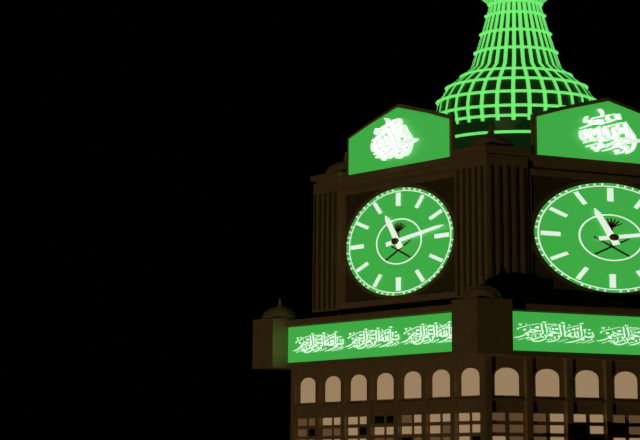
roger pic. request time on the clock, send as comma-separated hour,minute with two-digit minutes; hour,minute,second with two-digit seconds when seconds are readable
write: 11,13
